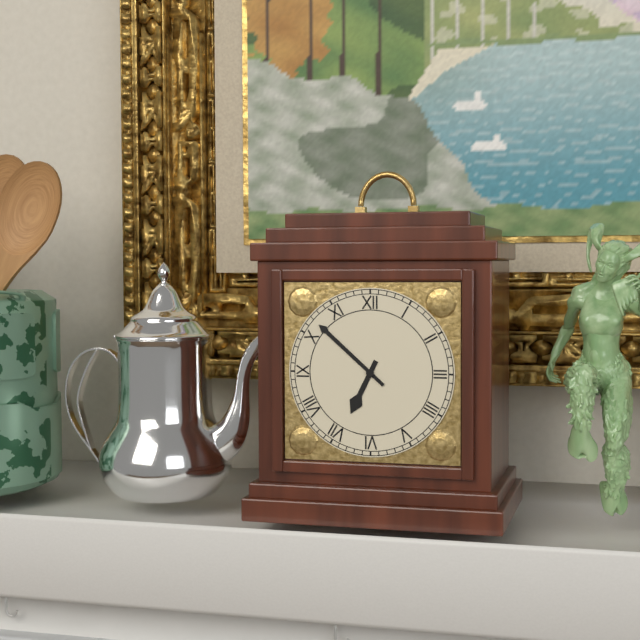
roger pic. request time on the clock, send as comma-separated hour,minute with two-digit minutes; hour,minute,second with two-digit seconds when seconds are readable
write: 6,52
